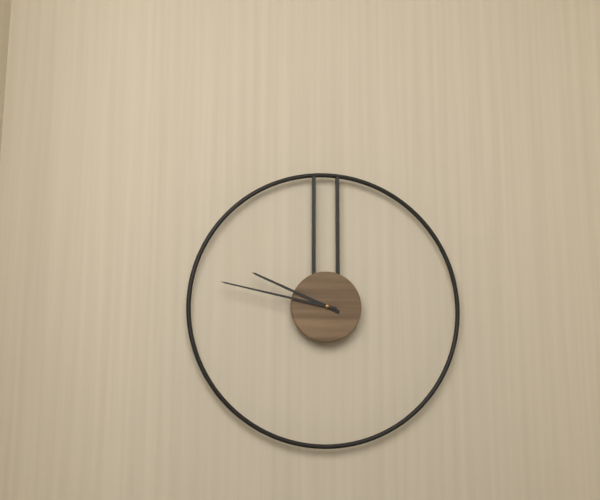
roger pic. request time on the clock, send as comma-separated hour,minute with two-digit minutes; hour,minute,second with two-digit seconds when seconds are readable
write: 9,47
